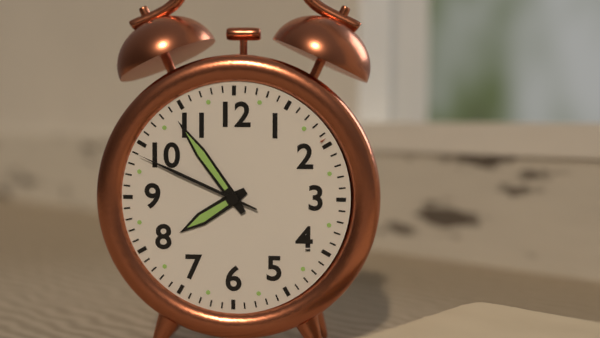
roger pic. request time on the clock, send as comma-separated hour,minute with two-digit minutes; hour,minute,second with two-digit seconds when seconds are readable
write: 7,54,49
